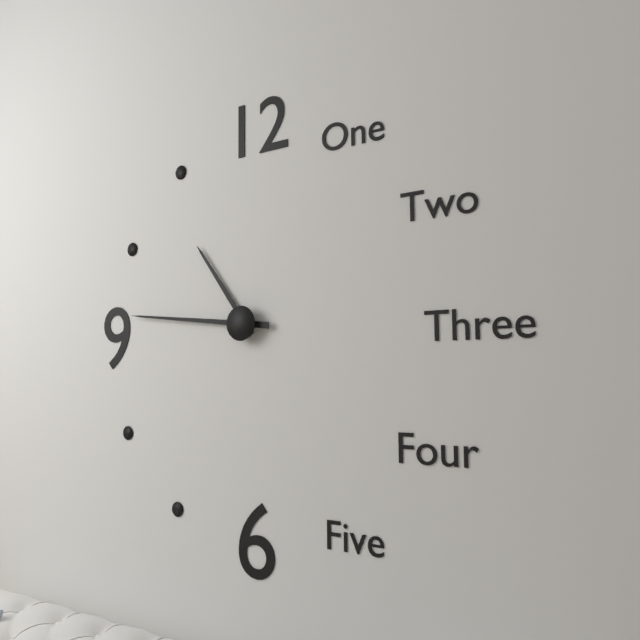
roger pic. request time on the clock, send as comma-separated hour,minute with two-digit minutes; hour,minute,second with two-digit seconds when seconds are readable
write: 10,46
